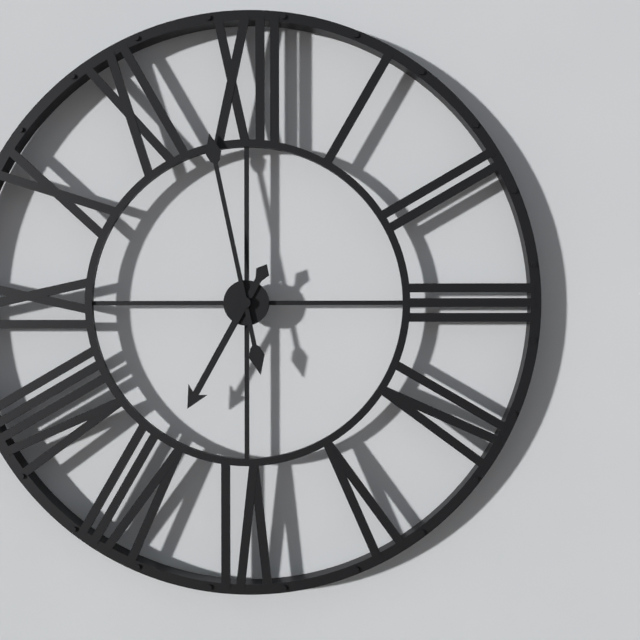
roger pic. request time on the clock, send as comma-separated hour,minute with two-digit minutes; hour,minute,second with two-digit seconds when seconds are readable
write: 6,58
